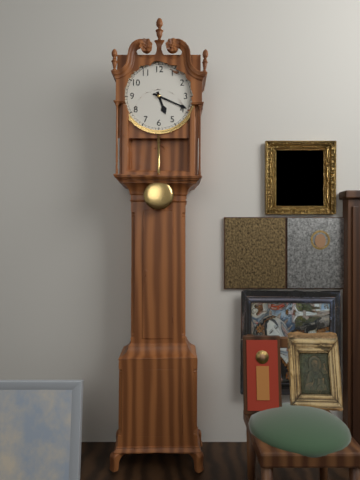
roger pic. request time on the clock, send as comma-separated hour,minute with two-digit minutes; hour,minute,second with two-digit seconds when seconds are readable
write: 5,19
